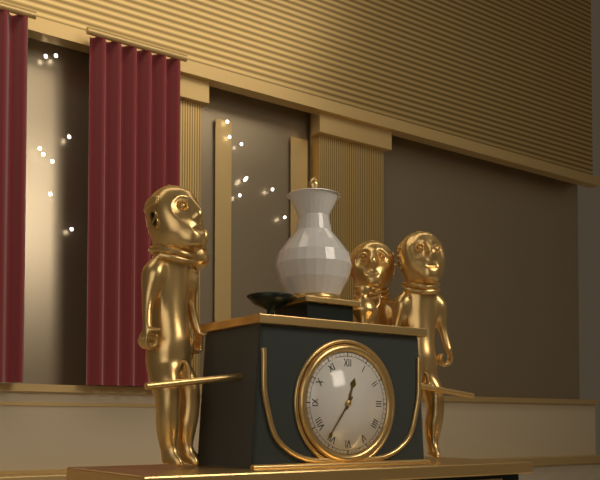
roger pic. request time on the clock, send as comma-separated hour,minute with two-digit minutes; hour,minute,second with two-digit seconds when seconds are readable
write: 12,36
